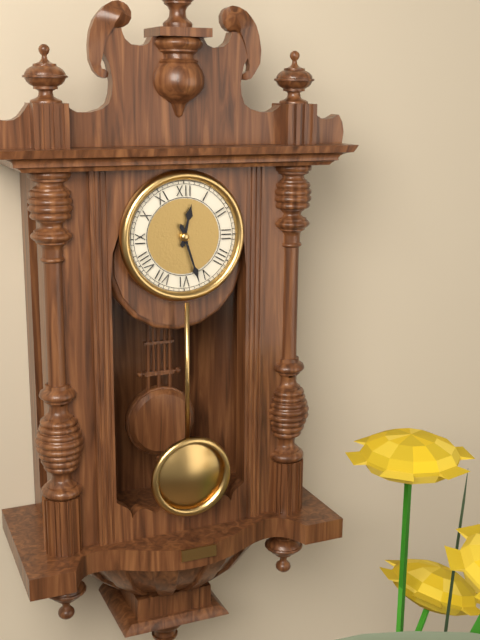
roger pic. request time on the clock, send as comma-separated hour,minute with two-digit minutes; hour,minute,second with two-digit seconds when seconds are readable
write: 12,27
